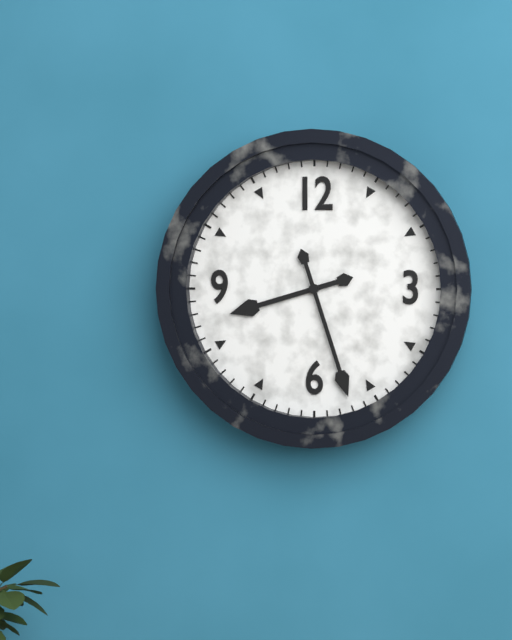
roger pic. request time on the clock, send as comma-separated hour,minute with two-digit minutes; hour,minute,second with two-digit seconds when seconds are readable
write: 8,27
